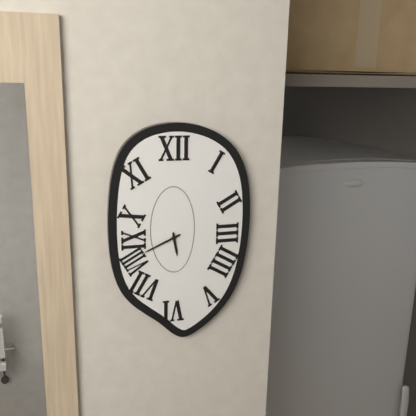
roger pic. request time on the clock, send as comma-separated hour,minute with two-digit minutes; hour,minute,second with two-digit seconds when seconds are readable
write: 5,41
